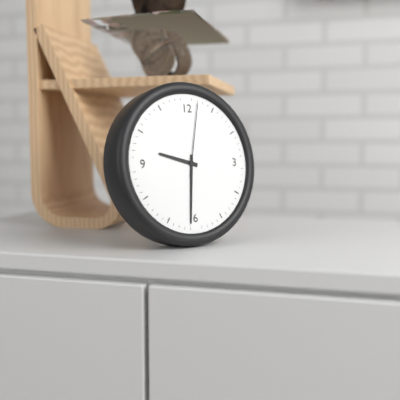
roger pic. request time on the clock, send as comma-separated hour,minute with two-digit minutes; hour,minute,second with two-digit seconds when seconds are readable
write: 9,31,02
